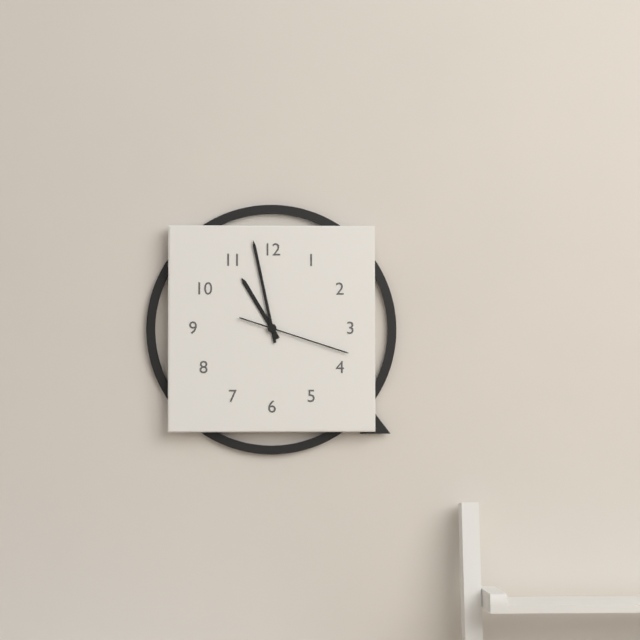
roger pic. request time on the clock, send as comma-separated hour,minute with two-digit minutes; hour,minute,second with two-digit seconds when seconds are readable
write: 10,58,18
